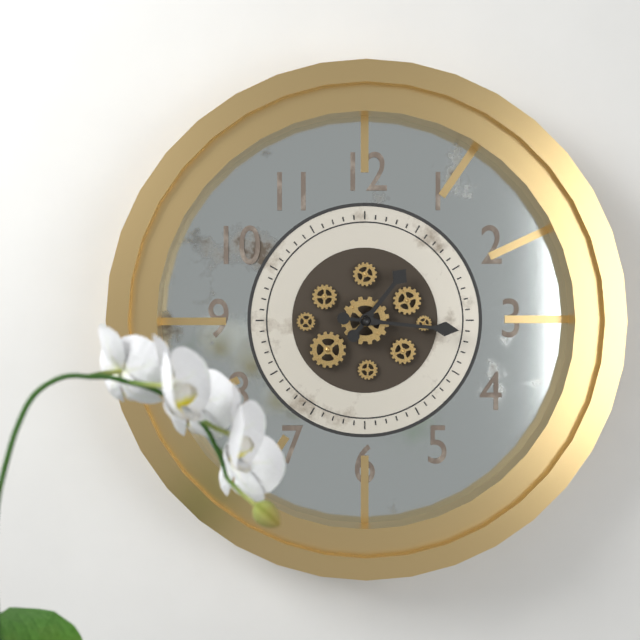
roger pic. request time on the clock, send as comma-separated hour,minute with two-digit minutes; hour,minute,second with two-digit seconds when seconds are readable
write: 1,16
